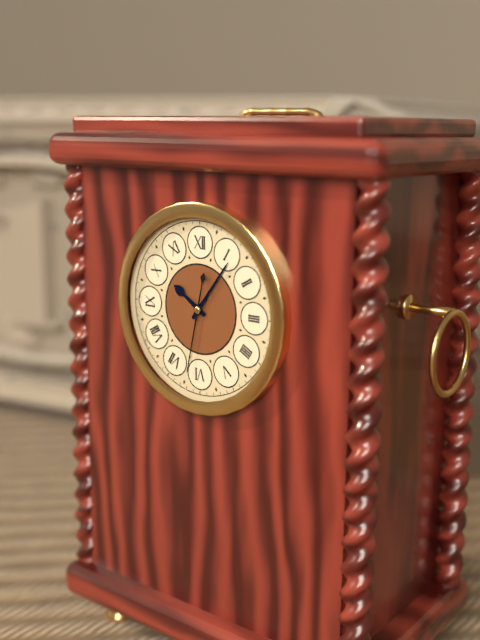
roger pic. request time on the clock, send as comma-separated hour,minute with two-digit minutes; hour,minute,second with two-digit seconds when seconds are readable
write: 10,06,32
